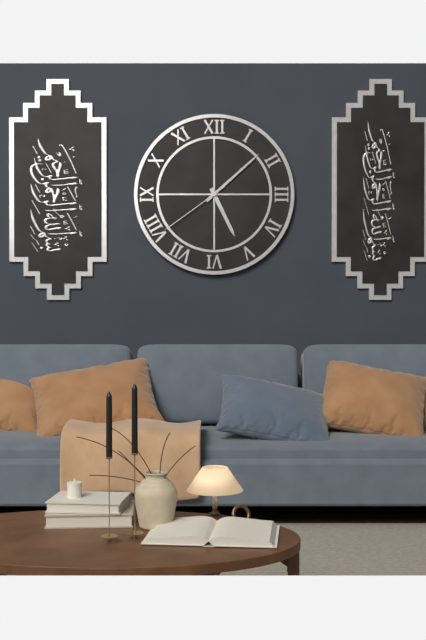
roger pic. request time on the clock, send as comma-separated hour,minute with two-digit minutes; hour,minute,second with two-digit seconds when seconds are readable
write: 5,08,39
